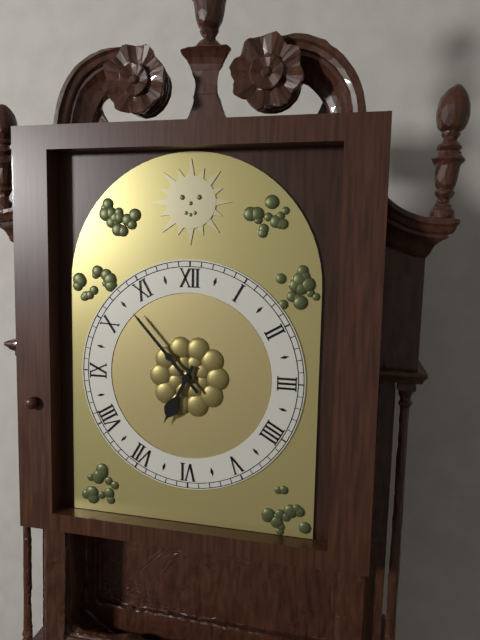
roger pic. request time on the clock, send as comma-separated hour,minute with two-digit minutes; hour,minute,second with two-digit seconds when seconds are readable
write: 6,53
